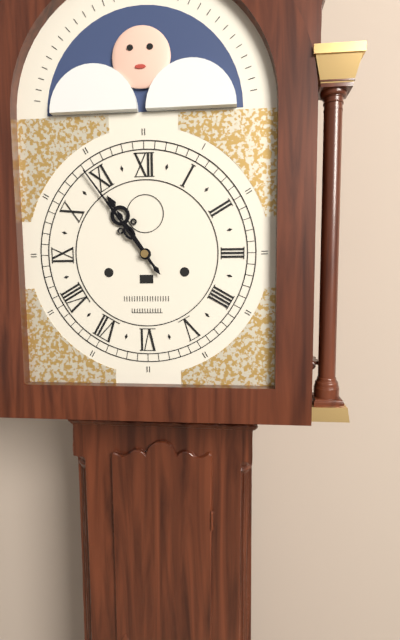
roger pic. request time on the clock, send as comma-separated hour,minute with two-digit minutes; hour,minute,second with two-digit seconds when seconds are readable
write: 10,54
